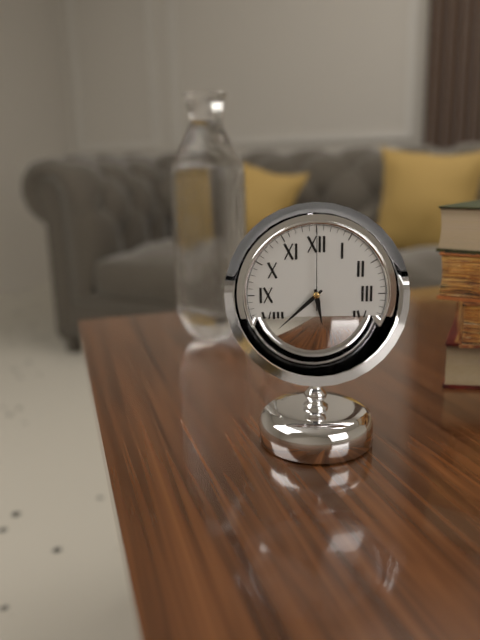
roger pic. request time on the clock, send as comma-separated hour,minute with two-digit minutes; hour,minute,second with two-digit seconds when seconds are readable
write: 5,38,00
